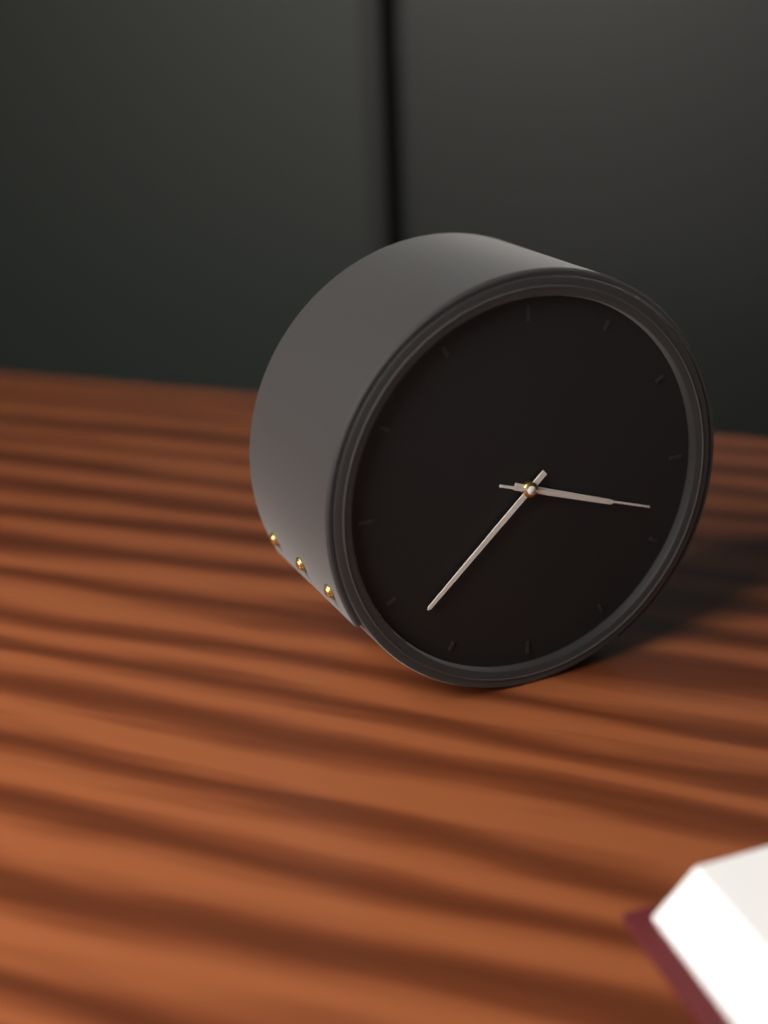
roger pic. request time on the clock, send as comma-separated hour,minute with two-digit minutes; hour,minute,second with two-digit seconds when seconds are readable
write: 3,38,18
